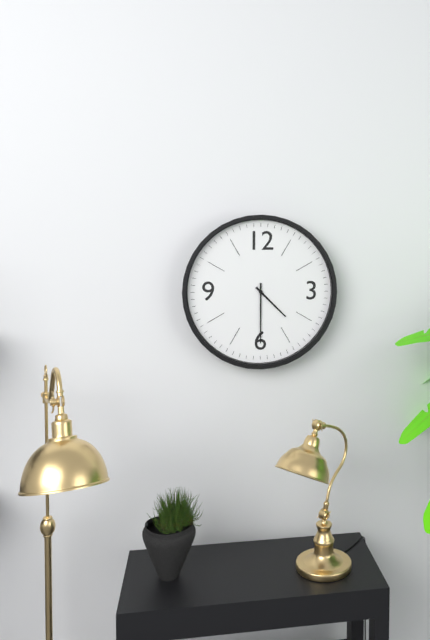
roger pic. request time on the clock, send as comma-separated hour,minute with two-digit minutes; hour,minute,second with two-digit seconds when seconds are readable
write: 4,30
